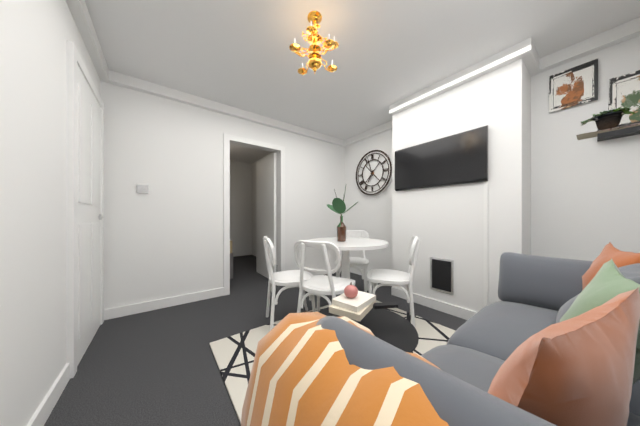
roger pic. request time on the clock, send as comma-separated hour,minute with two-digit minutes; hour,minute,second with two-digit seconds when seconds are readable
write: 6,57
